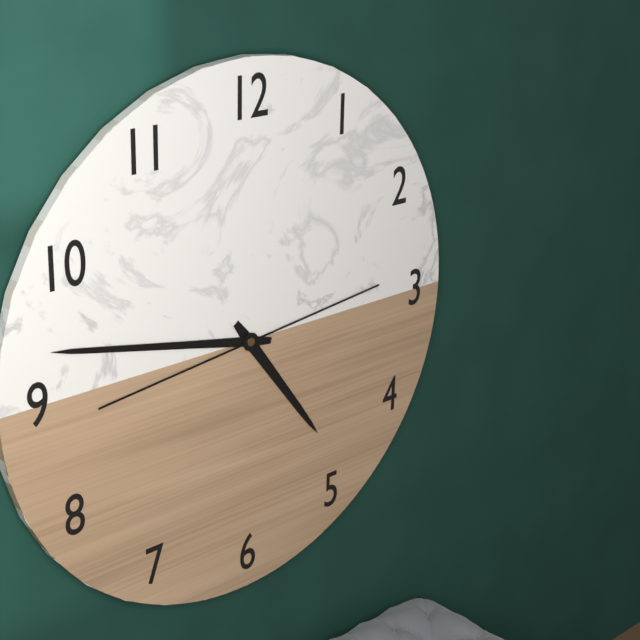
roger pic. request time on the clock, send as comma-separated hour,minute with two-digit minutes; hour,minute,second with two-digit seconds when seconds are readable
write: 4,47
